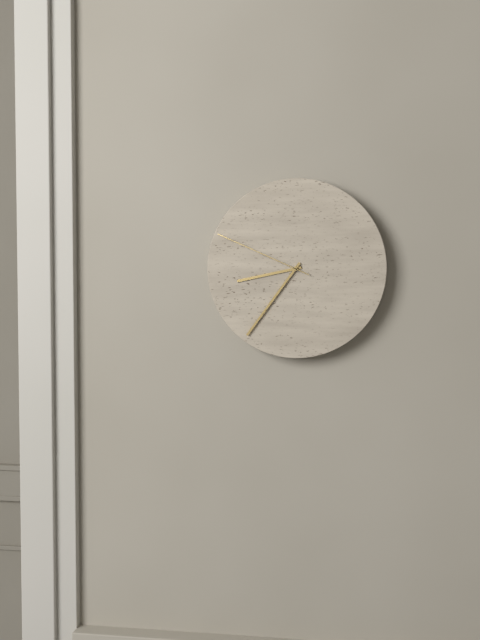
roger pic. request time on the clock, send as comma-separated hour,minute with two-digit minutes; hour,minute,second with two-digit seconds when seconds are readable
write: 8,36,49
